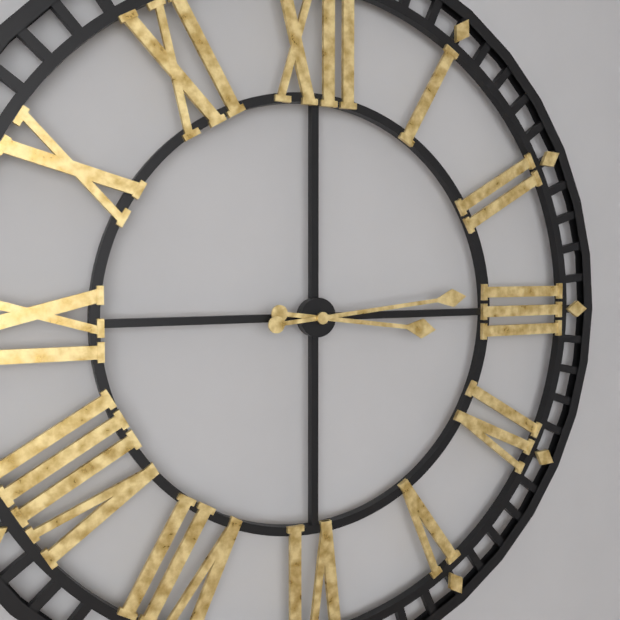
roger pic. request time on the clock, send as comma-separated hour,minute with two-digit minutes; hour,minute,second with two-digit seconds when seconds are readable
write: 3,14
